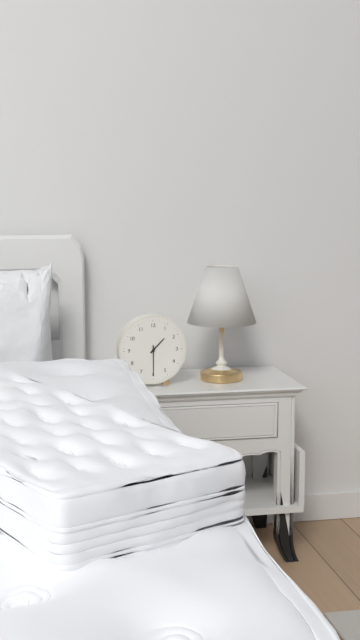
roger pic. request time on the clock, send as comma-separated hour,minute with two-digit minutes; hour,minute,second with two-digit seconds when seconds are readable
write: 1,30
